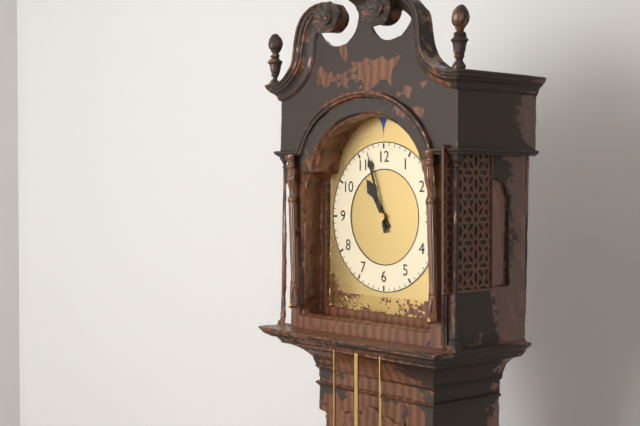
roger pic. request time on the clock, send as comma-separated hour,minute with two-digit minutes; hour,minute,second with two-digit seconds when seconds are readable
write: 10,57
